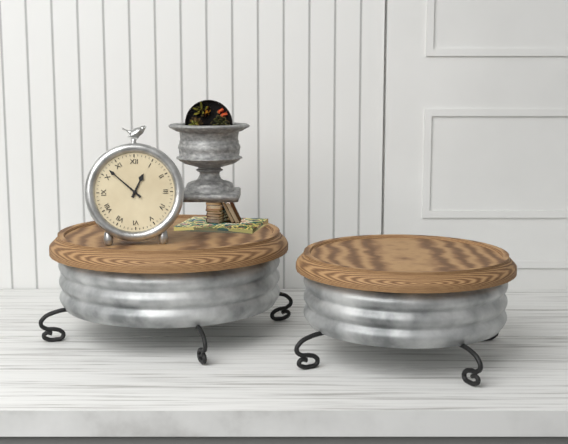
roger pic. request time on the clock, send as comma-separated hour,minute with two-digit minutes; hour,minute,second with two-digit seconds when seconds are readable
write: 12,52
